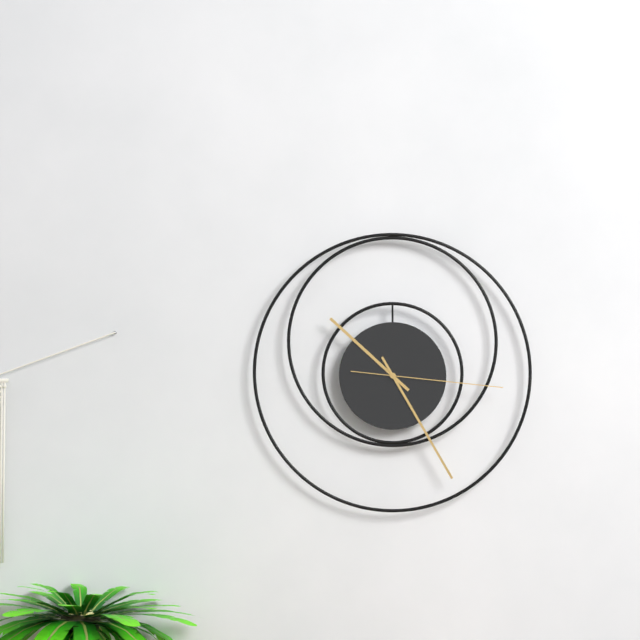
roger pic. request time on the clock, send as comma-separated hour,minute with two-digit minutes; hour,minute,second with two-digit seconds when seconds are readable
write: 10,25,16
